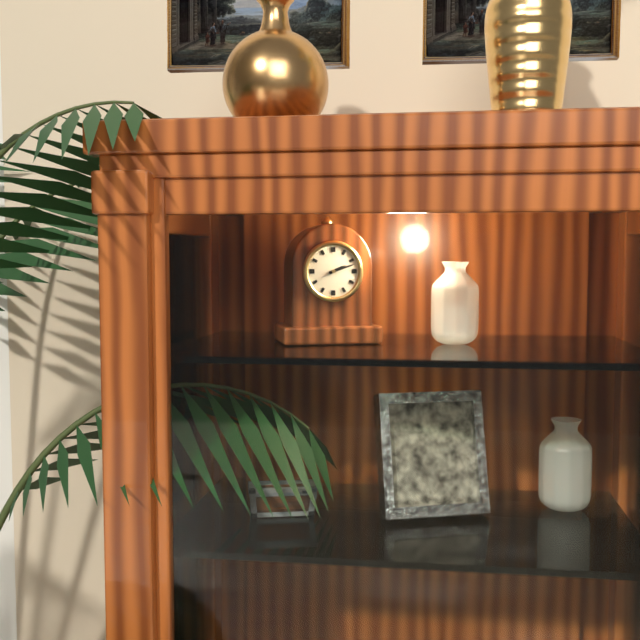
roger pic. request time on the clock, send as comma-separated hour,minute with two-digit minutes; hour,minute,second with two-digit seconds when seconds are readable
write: 2,12
